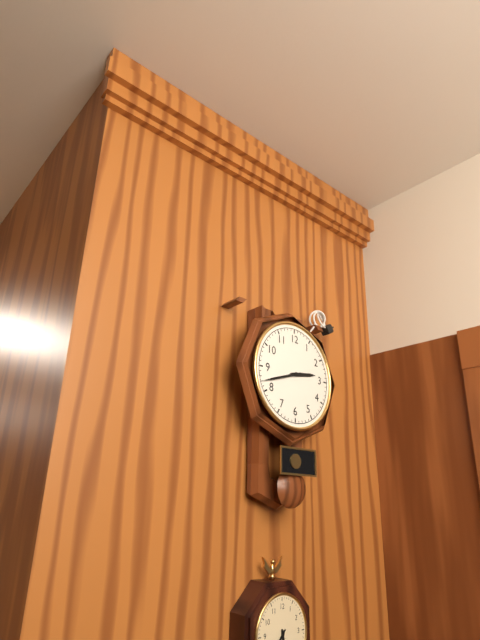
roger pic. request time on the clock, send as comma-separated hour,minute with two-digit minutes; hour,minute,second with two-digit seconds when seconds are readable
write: 2,42
